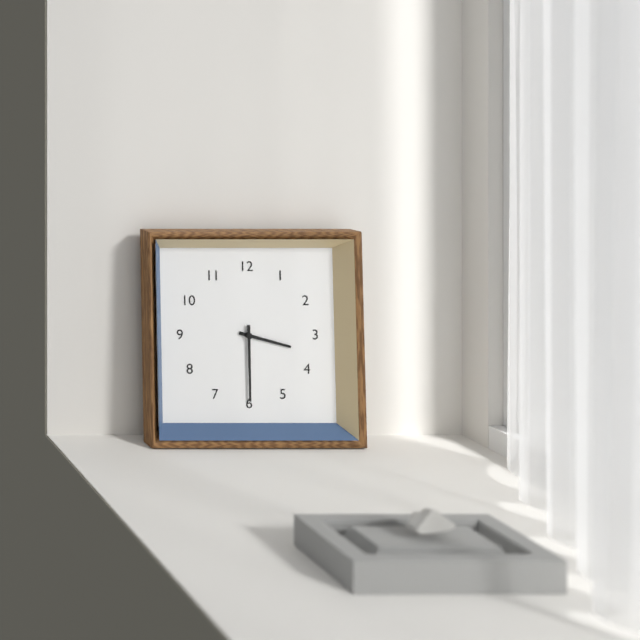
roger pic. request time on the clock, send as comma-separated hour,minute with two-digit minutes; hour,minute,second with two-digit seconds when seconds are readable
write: 3,30
